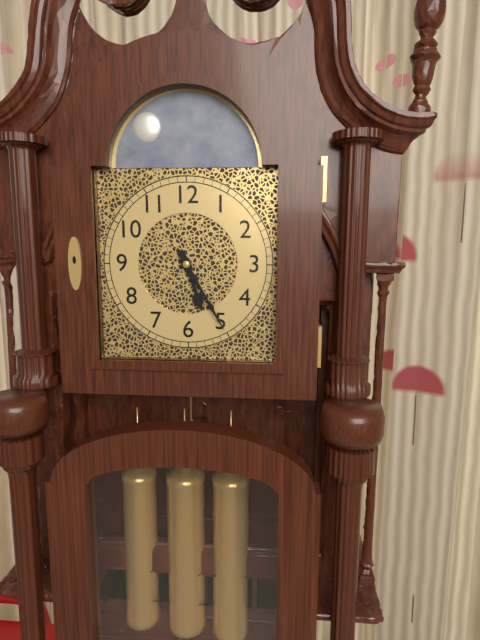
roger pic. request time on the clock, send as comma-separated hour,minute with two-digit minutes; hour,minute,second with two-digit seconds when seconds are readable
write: 5,25
